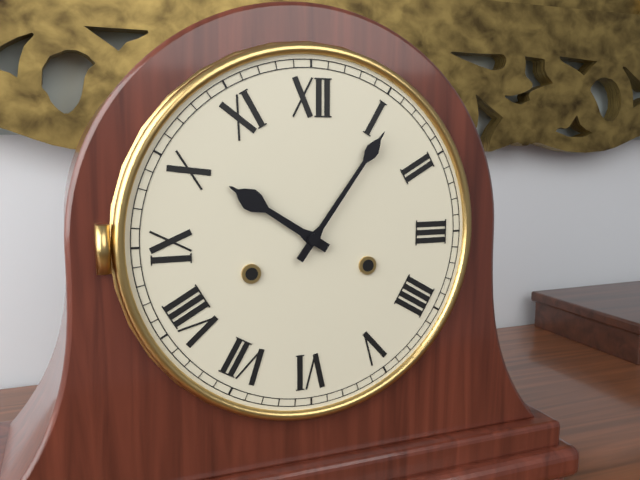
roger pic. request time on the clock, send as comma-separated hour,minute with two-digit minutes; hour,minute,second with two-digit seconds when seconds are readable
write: 10,06
